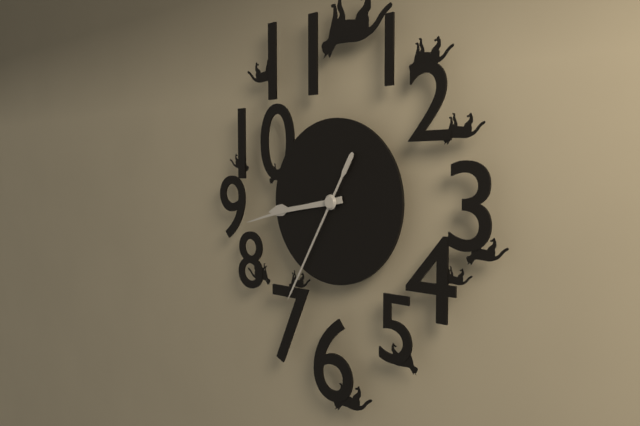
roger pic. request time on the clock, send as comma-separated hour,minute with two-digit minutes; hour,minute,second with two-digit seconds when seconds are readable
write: 8,43,35
